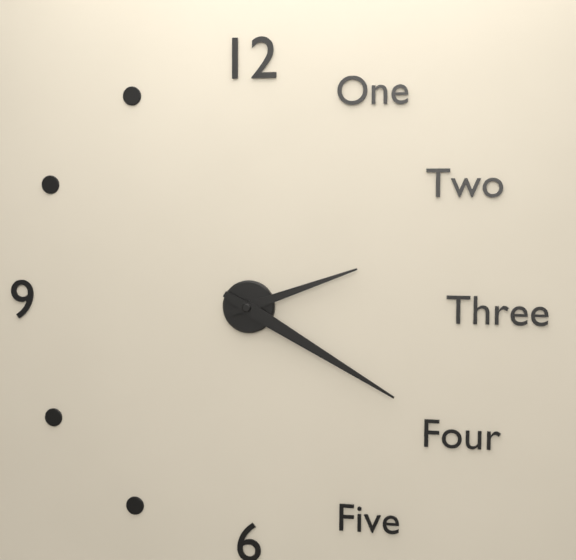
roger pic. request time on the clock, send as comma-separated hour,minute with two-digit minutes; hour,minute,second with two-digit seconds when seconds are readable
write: 2,20
